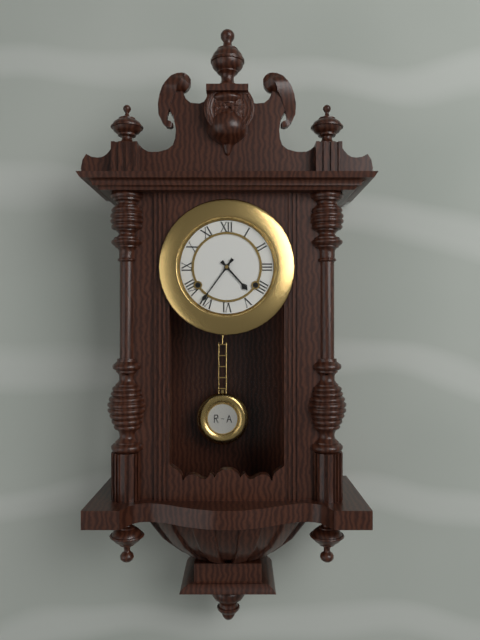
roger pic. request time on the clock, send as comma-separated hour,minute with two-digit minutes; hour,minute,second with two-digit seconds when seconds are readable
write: 4,36
